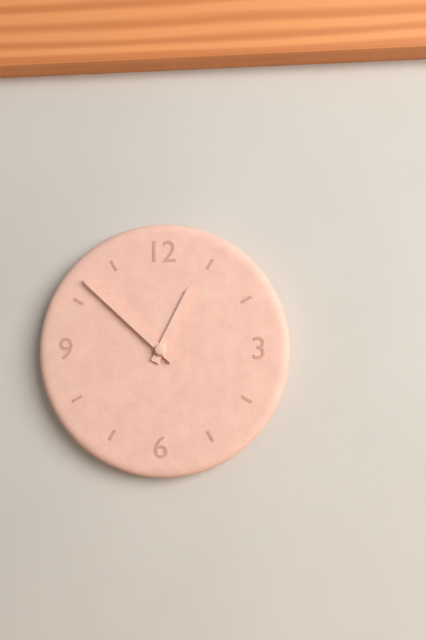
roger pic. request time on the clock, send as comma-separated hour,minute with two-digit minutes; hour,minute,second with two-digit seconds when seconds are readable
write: 12,52
